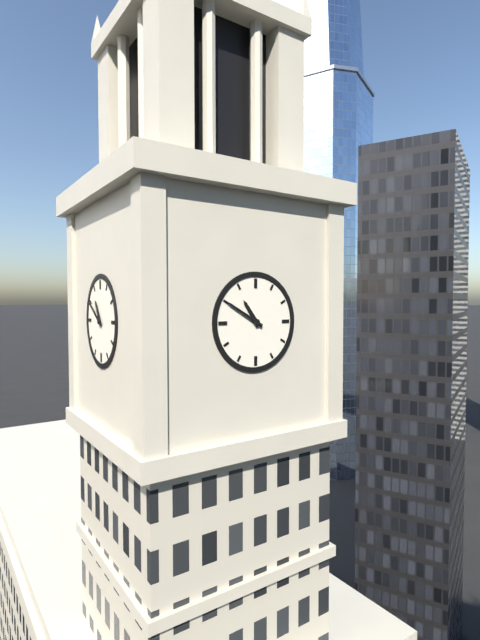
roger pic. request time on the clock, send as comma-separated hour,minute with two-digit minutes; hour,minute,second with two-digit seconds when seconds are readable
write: 10,50
